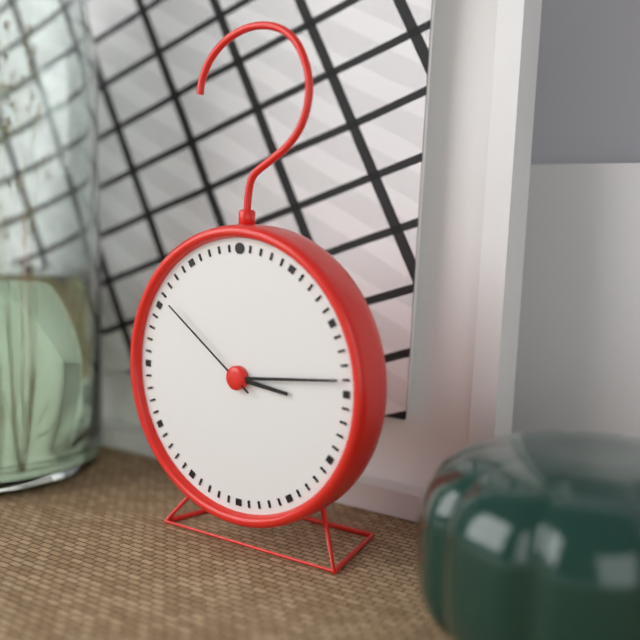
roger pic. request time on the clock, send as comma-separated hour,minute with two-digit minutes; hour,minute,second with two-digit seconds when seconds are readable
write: 3,14,51
